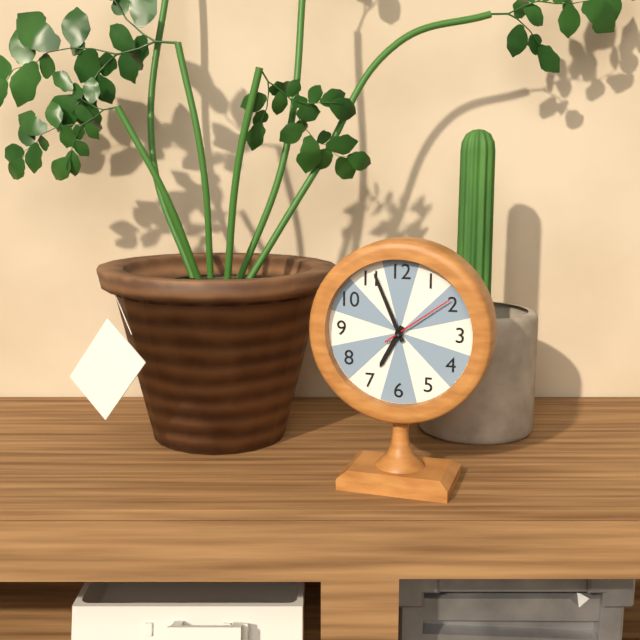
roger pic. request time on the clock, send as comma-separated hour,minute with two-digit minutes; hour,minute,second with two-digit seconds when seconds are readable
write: 6,56,09
